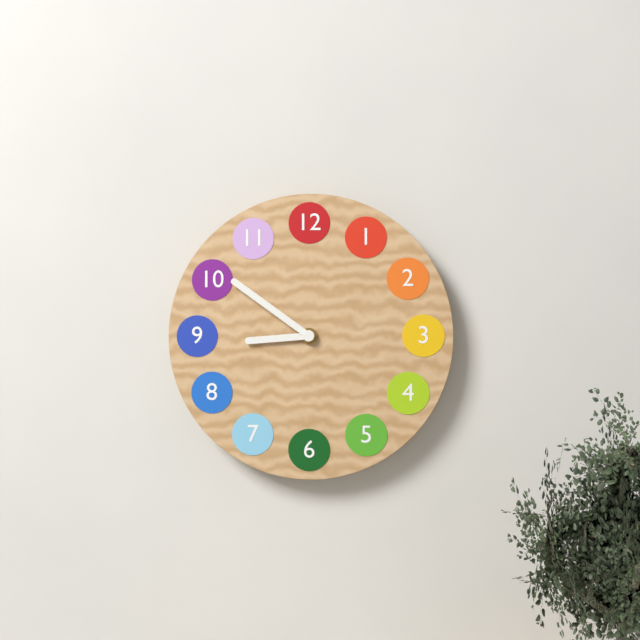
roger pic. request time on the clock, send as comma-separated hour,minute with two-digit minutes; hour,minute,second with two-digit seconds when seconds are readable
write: 8,51
